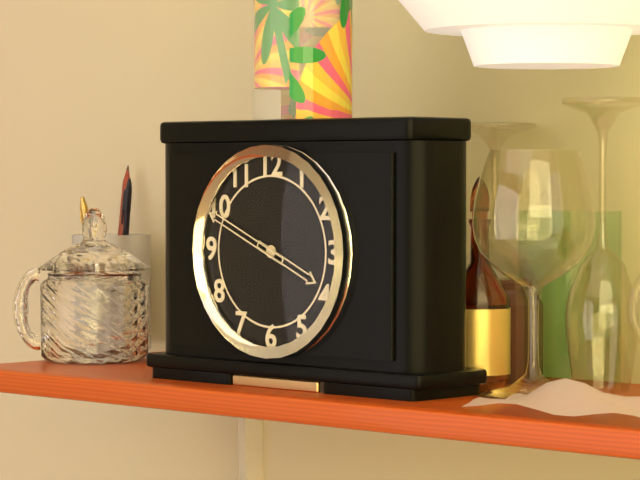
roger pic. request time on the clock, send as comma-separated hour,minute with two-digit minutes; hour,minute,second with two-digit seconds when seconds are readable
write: 3,49
